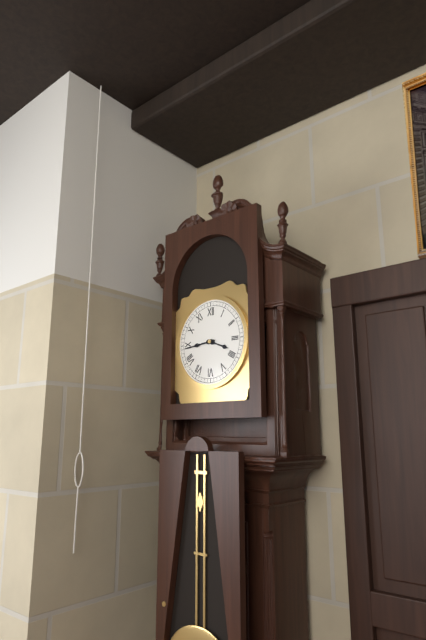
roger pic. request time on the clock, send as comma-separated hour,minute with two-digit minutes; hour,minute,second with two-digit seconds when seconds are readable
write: 3,44
